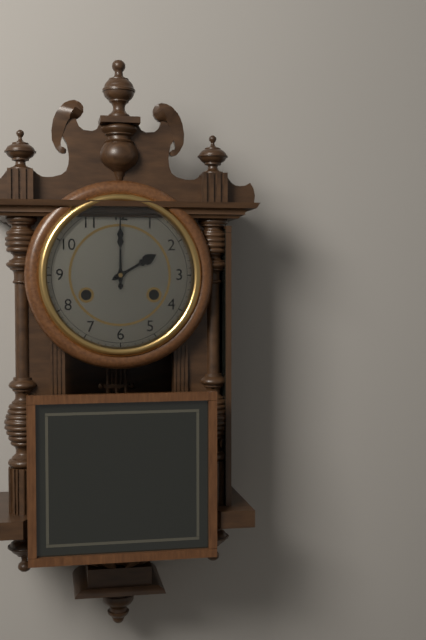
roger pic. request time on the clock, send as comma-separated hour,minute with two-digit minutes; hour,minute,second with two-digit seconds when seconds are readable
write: 2,00
